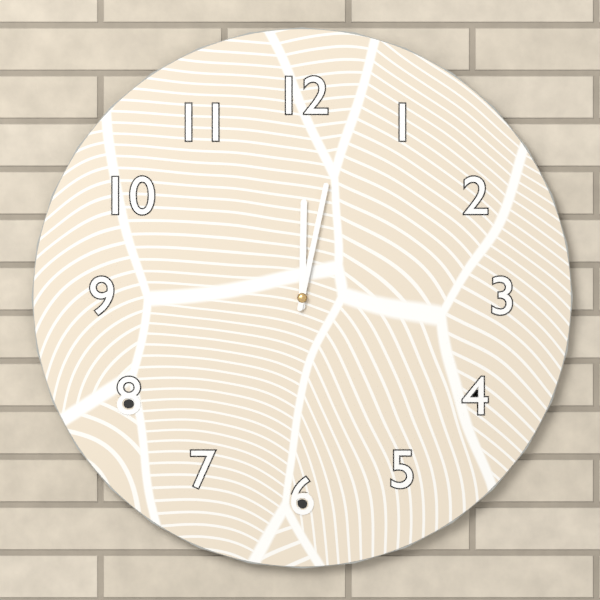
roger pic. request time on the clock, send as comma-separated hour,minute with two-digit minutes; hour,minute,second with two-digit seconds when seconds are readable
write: 12,02
